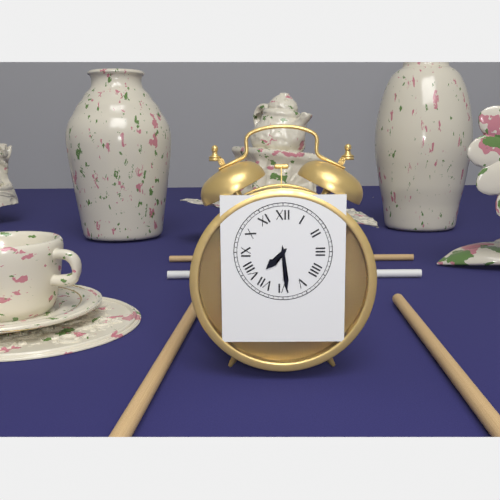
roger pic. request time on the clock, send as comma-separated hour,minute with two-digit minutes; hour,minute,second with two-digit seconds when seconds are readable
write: 7,29
